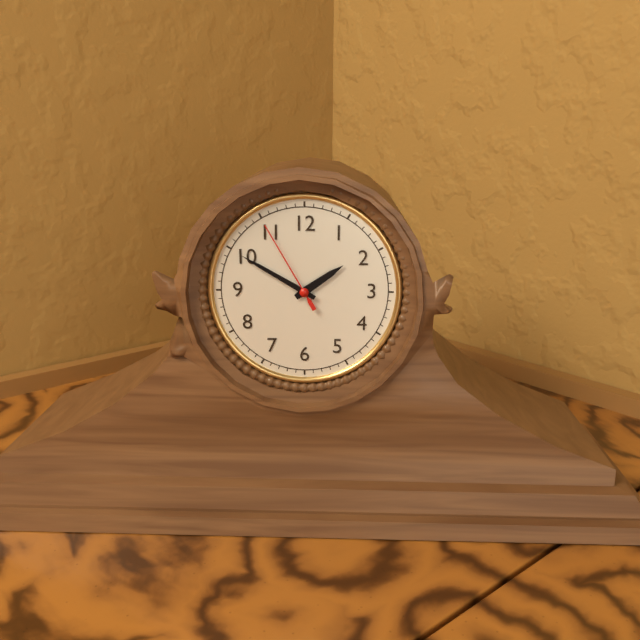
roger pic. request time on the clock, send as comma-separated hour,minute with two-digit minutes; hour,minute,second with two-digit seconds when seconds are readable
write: 1,50,55
